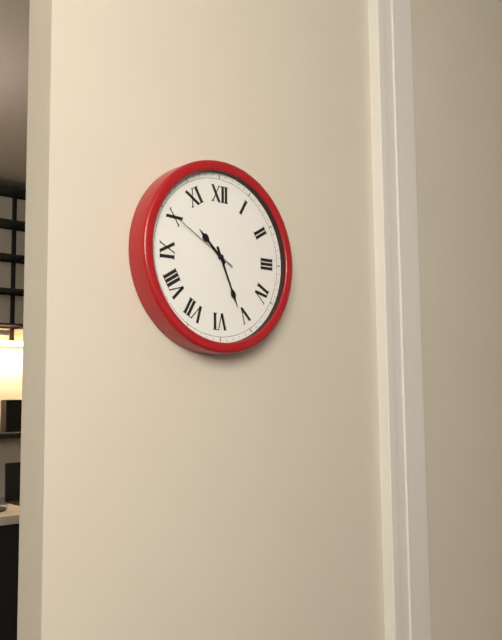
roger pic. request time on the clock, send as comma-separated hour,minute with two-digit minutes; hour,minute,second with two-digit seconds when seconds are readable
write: 10,26,50
